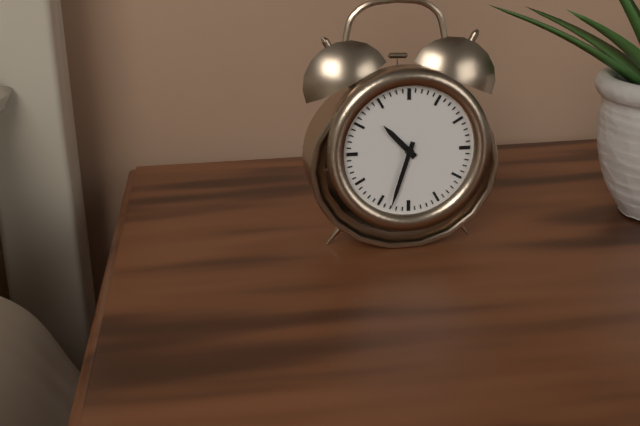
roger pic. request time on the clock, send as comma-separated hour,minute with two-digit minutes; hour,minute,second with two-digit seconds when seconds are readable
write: 10,33
